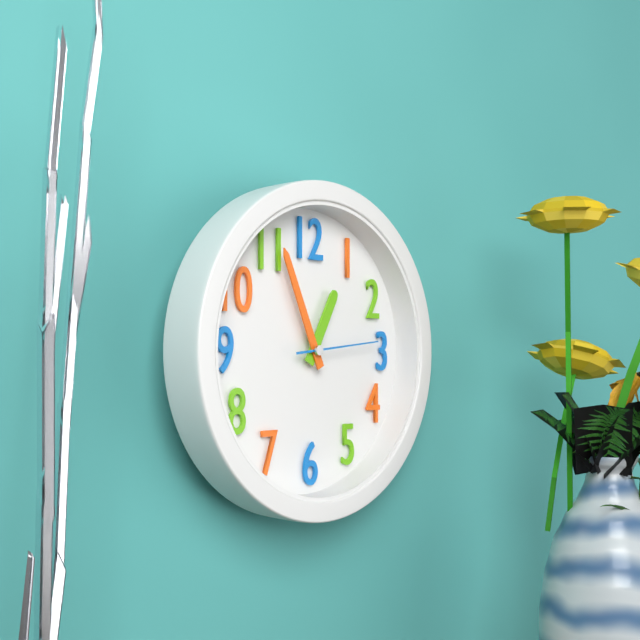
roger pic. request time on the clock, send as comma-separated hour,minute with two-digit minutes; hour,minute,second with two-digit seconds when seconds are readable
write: 12,56,14
